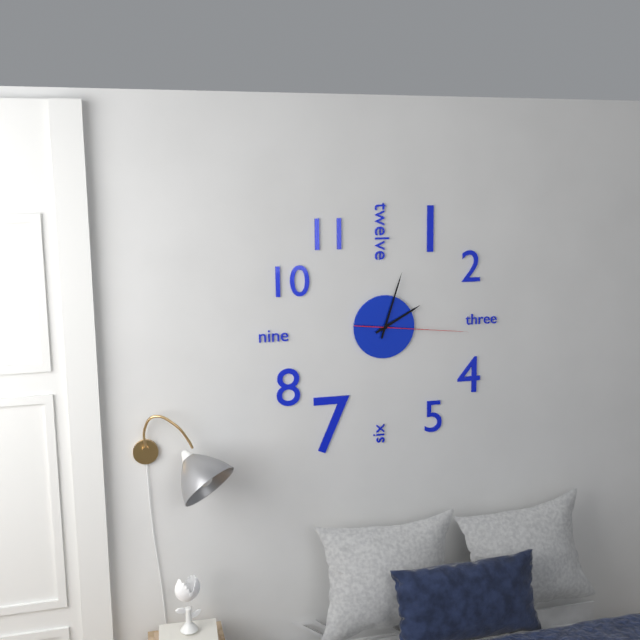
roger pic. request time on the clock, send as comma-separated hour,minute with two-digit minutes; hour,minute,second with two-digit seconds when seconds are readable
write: 2,03,16
